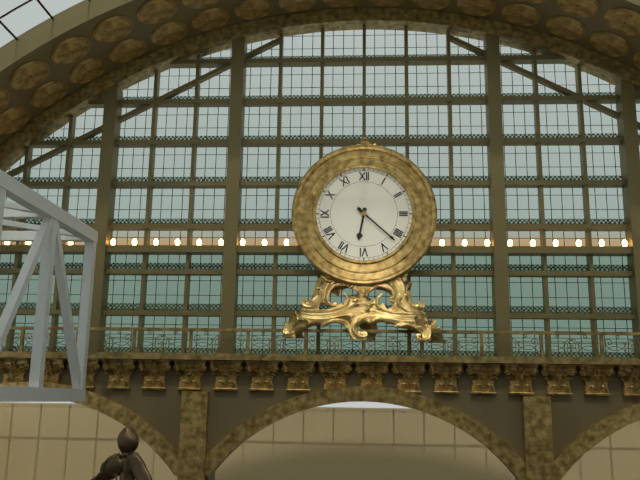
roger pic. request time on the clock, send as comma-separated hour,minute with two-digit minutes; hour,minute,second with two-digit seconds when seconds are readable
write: 6,22
